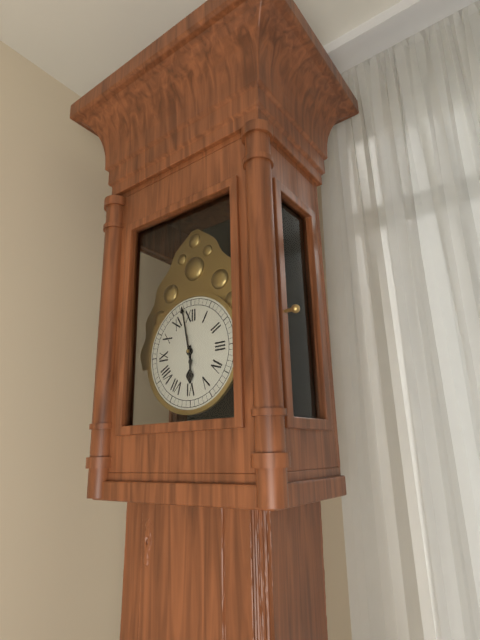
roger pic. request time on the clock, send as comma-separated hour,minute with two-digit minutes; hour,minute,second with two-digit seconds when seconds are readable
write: 5,58
